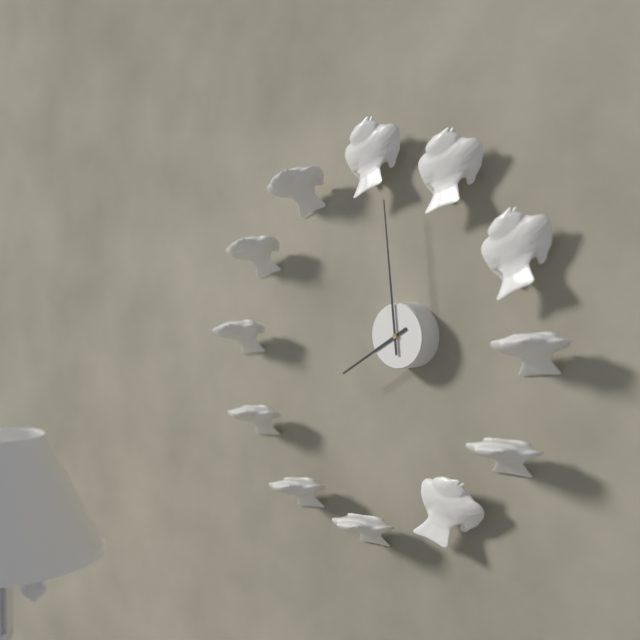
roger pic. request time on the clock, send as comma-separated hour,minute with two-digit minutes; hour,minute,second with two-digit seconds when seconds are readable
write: 7,59
